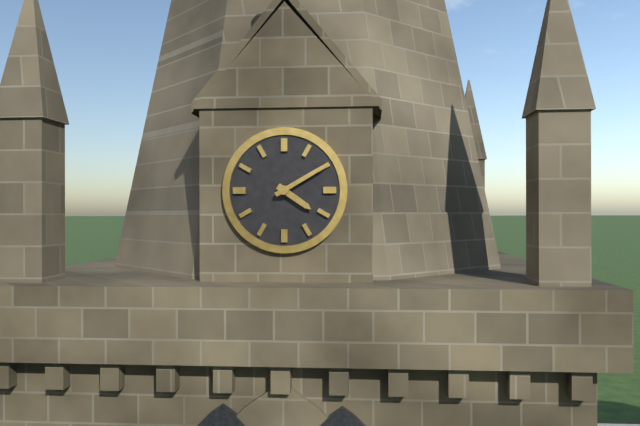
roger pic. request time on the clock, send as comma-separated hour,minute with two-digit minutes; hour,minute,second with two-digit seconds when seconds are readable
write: 4,10
